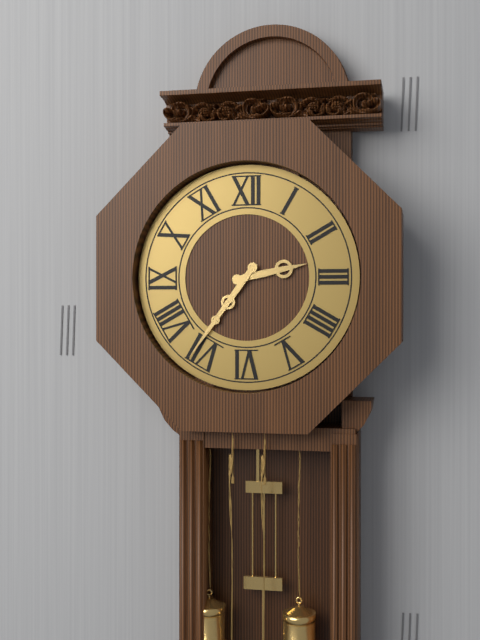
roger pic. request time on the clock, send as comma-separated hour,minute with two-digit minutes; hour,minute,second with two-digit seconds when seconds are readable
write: 2,36
